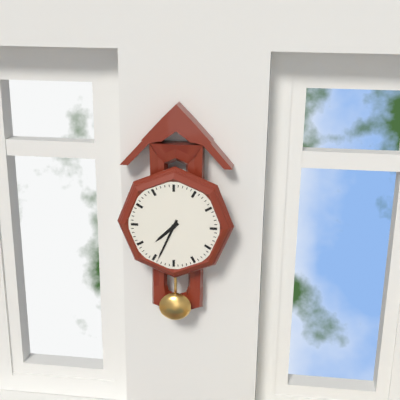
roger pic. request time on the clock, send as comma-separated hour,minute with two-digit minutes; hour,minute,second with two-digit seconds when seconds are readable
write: 7,34
